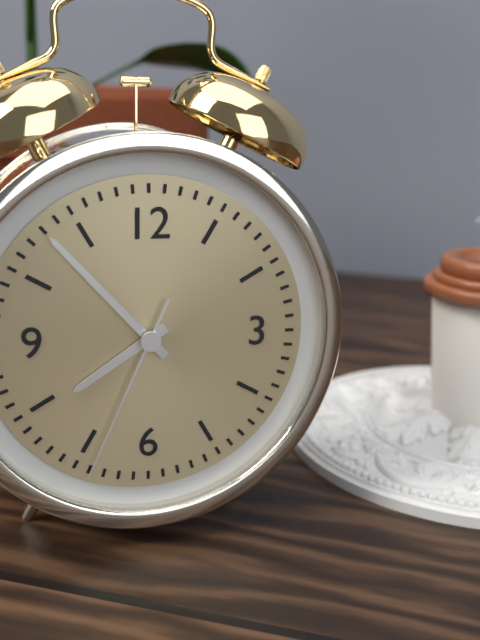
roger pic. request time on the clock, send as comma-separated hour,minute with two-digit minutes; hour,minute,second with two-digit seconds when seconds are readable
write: 7,53,34
